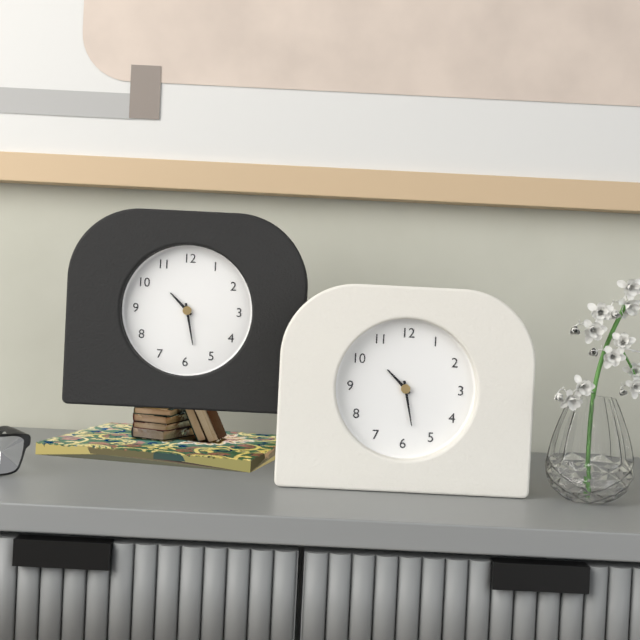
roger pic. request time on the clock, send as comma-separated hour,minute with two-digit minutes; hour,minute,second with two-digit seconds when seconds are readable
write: 10,28
